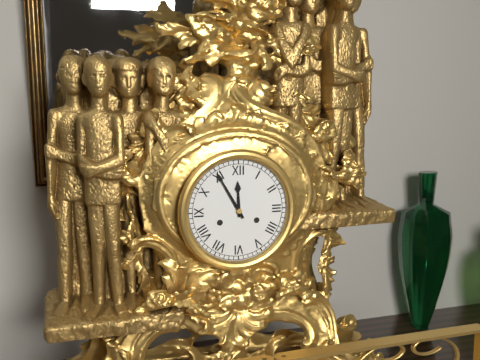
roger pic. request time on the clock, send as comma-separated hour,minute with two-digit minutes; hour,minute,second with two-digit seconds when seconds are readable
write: 11,55
